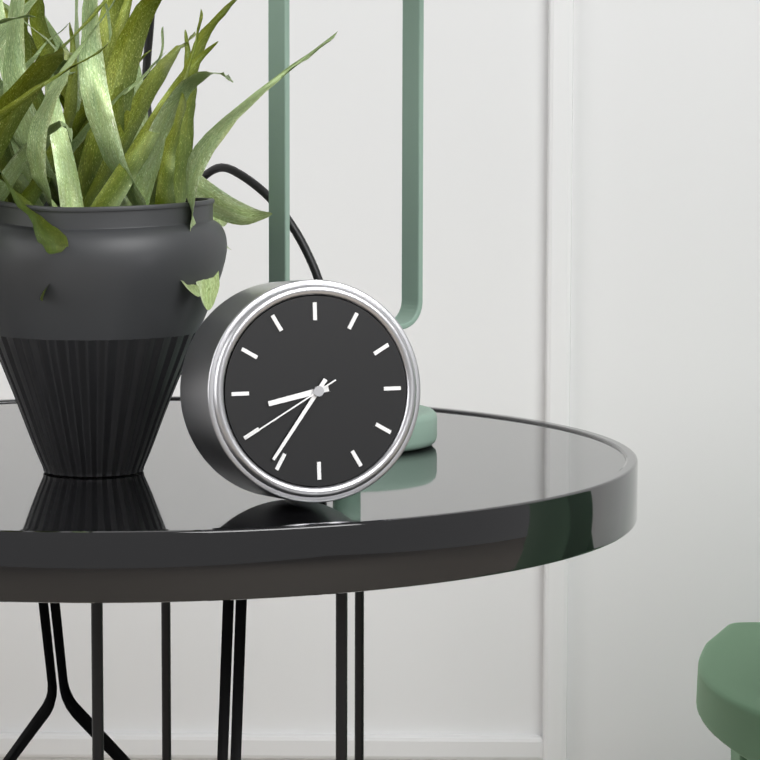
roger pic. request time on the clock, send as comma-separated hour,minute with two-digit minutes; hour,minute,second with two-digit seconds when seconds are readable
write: 8,36,40
